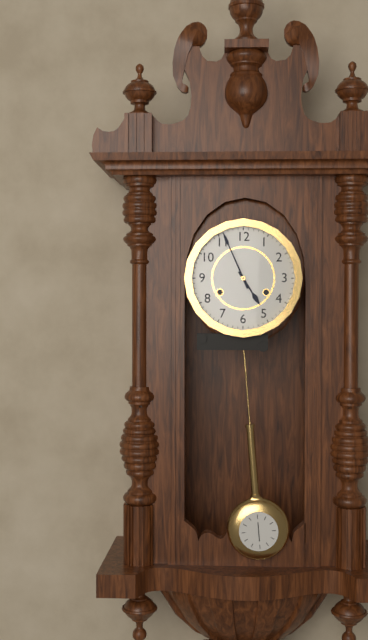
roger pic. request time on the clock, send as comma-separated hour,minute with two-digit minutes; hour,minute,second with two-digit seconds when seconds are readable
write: 4,56
